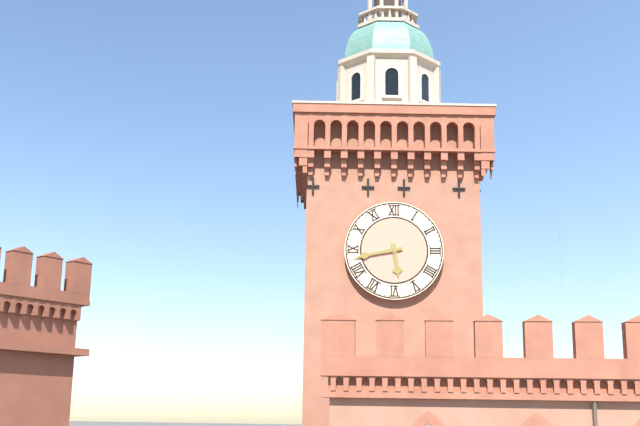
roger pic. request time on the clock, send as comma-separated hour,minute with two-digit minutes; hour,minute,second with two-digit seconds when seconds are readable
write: 5,43
